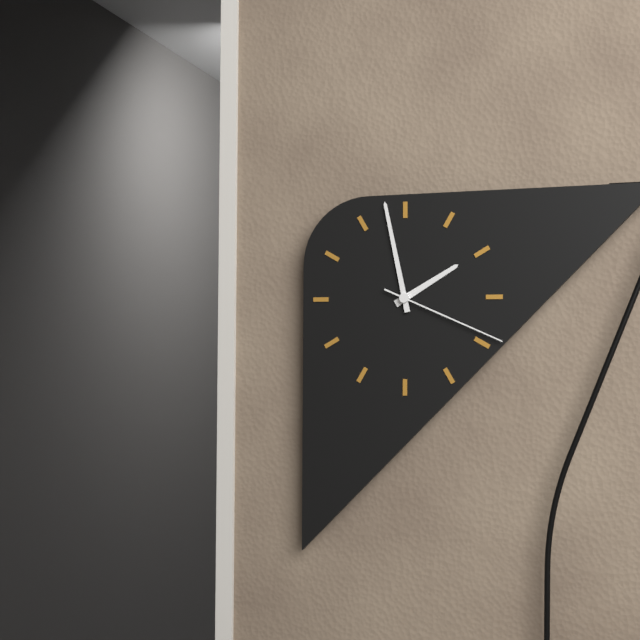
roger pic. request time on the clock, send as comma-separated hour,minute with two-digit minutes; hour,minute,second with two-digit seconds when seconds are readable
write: 1,58,19
